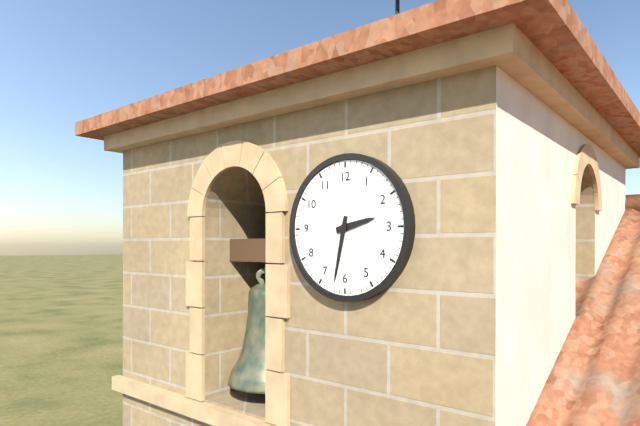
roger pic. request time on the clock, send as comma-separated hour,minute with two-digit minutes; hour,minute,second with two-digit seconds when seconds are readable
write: 2,32
